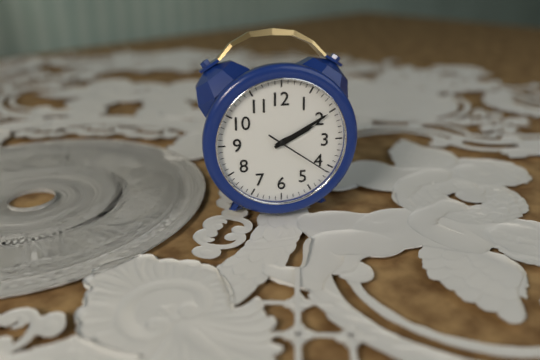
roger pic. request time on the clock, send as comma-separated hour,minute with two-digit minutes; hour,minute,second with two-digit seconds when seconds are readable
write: 2,10,21
